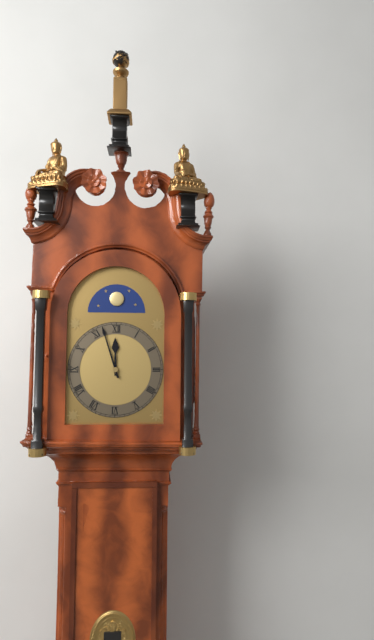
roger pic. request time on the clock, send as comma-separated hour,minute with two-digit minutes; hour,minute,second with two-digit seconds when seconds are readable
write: 11,57
